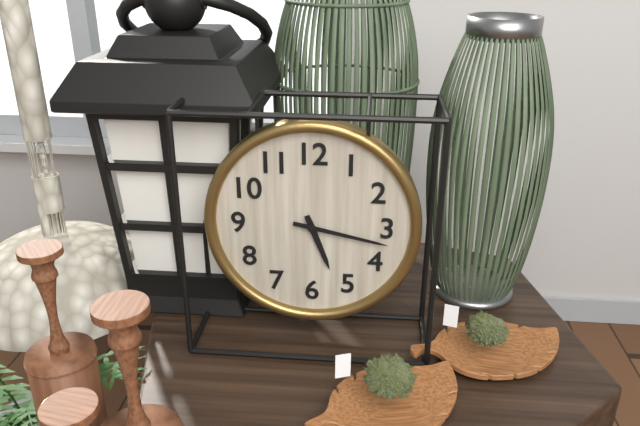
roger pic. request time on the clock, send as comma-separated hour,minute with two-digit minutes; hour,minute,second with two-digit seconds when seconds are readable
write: 5,17
